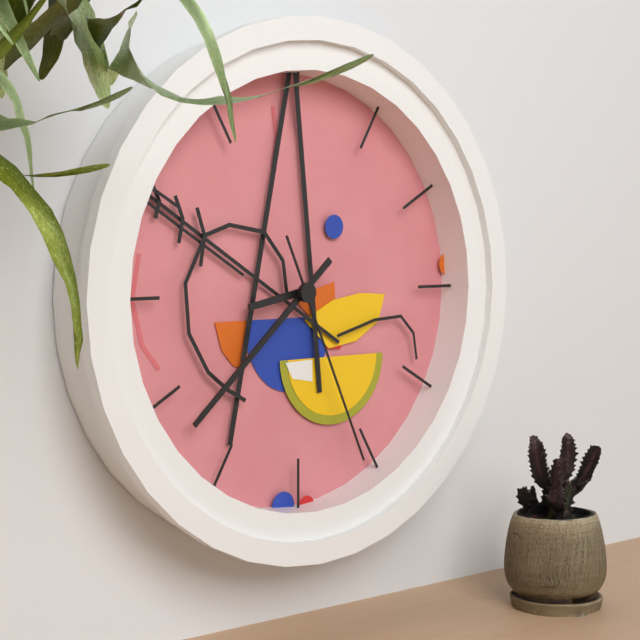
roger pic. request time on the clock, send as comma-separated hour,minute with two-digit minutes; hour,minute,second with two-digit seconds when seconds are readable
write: 8,38,26
